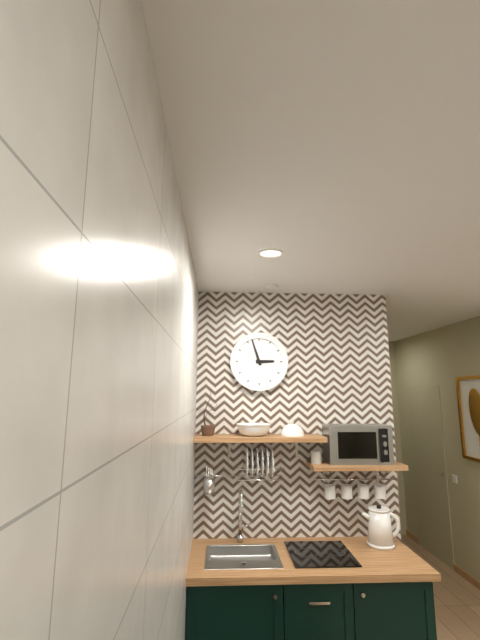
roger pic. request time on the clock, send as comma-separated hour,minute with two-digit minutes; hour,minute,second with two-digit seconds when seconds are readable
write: 2,57
